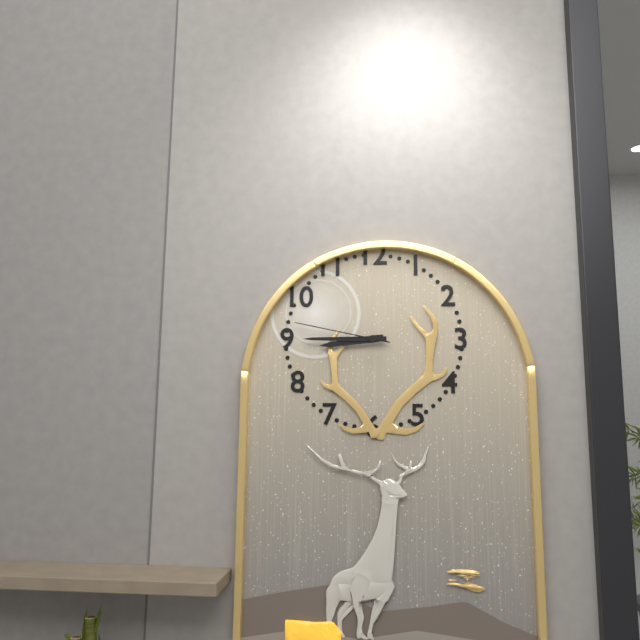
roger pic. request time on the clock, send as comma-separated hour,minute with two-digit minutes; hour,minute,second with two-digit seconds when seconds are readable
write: 8,45,47
